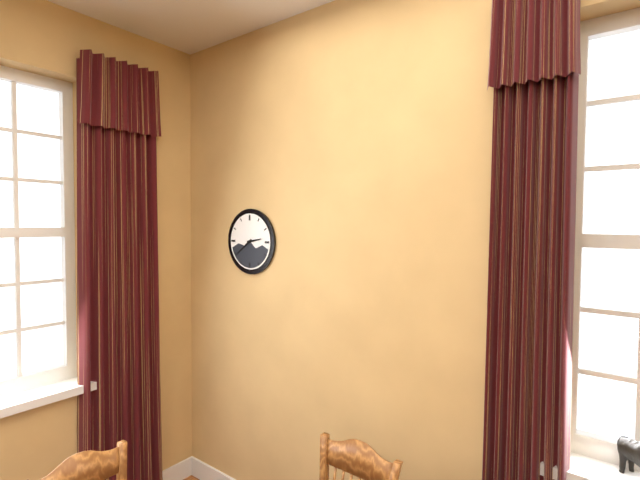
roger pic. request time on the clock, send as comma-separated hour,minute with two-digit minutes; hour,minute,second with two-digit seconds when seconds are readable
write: 2,39
